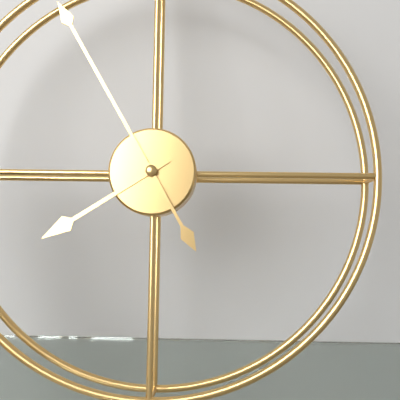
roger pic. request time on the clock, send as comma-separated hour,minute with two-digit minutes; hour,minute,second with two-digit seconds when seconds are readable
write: 7,55
